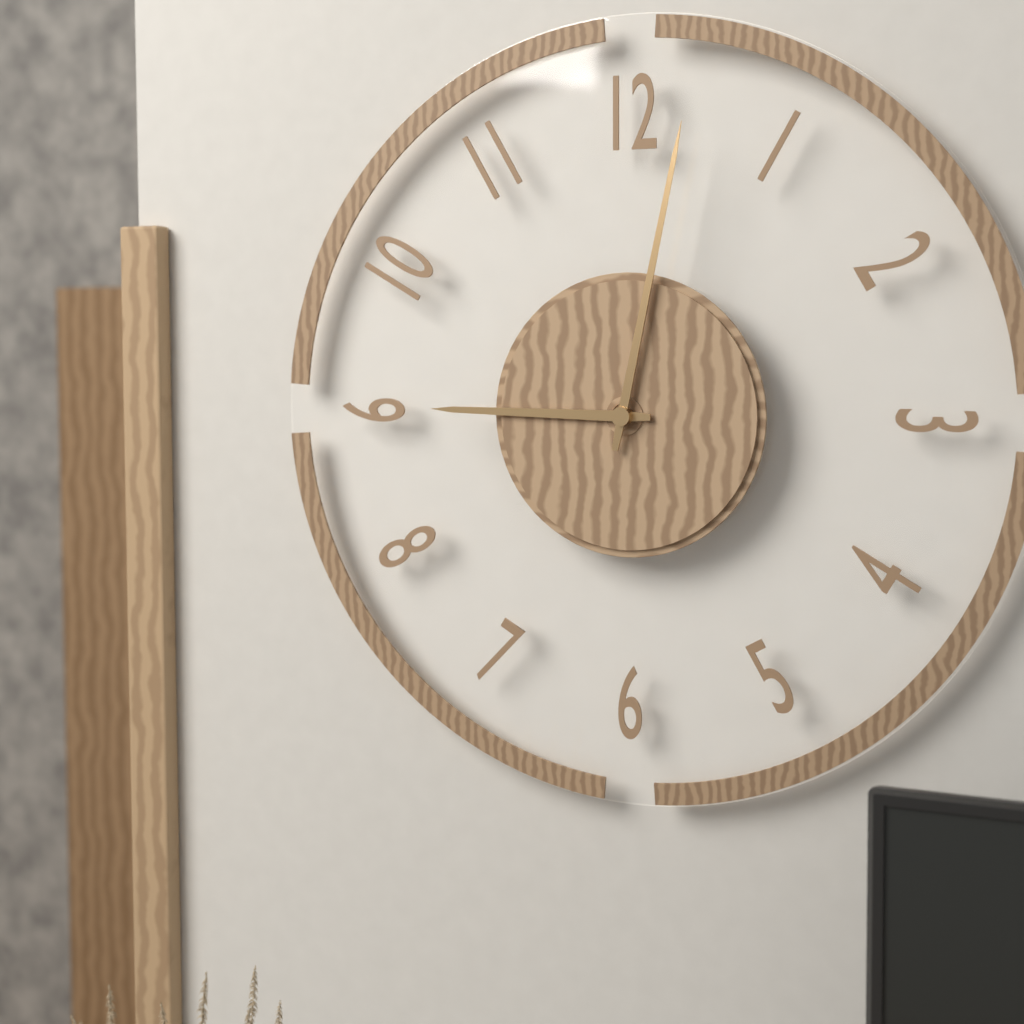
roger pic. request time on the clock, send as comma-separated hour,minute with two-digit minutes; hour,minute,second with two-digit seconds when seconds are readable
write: 9,02
